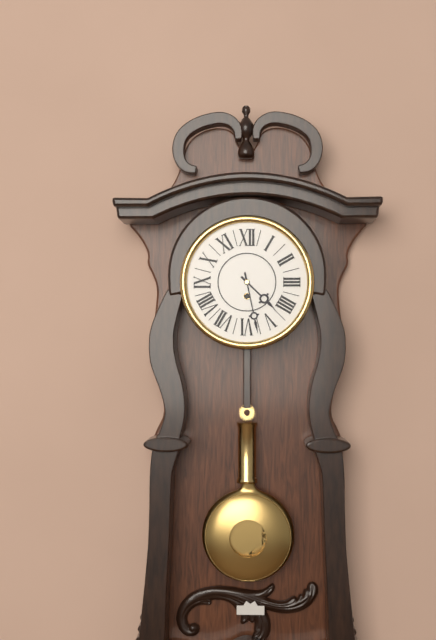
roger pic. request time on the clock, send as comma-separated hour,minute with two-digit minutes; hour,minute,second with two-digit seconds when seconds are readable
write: 4,28
